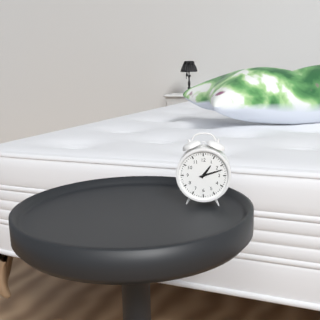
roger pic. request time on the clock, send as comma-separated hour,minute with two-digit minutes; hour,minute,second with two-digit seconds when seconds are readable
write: 1,12
